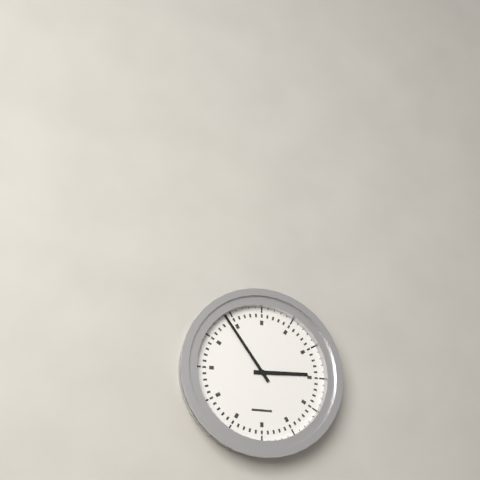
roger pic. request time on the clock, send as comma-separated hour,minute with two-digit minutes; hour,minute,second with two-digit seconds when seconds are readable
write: 2,54
